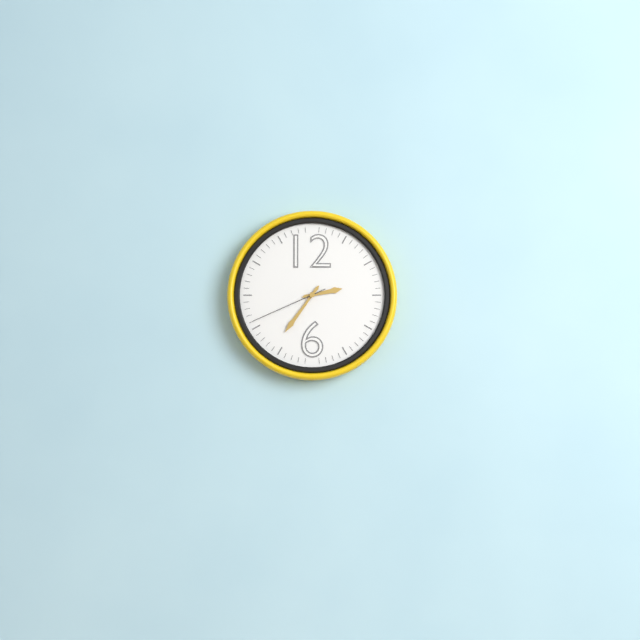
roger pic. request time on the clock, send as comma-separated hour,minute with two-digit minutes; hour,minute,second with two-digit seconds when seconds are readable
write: 2,36,41
